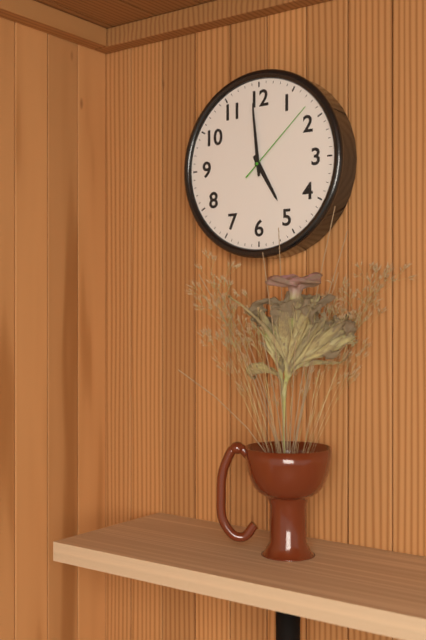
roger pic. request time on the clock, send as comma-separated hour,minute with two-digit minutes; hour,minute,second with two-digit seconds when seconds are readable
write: 4,59,08
